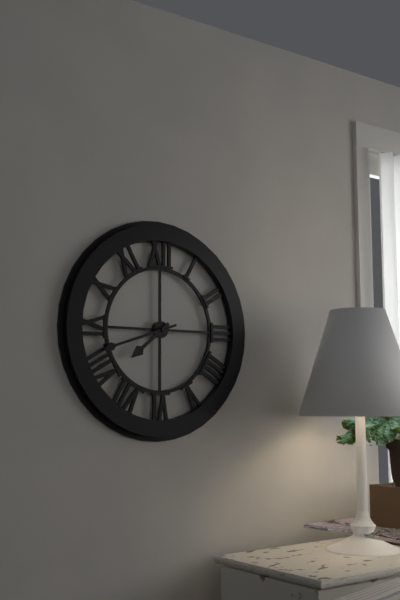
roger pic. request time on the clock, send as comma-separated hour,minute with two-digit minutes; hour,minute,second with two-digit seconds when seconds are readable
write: 7,42
